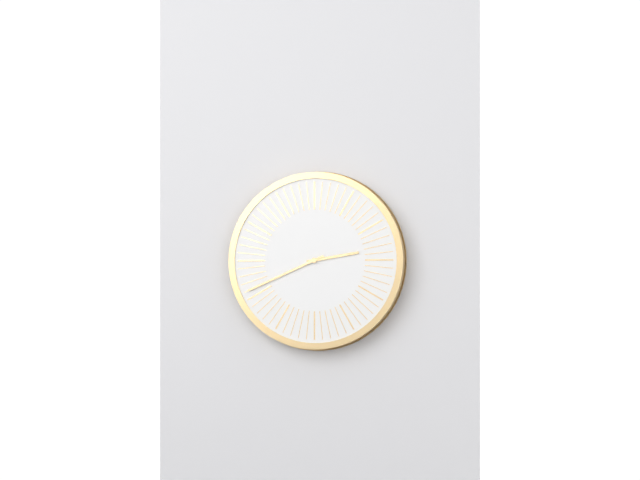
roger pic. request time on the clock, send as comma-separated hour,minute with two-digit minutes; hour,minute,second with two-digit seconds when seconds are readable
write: 2,41
